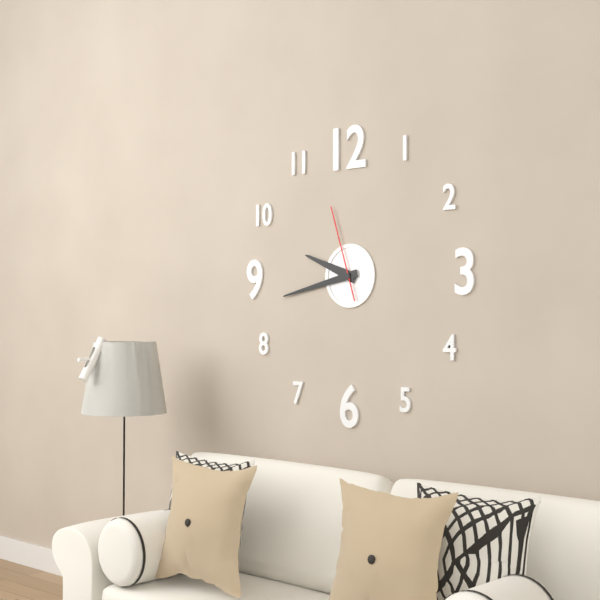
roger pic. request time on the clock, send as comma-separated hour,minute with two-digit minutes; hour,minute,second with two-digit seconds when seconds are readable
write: 9,43,57
